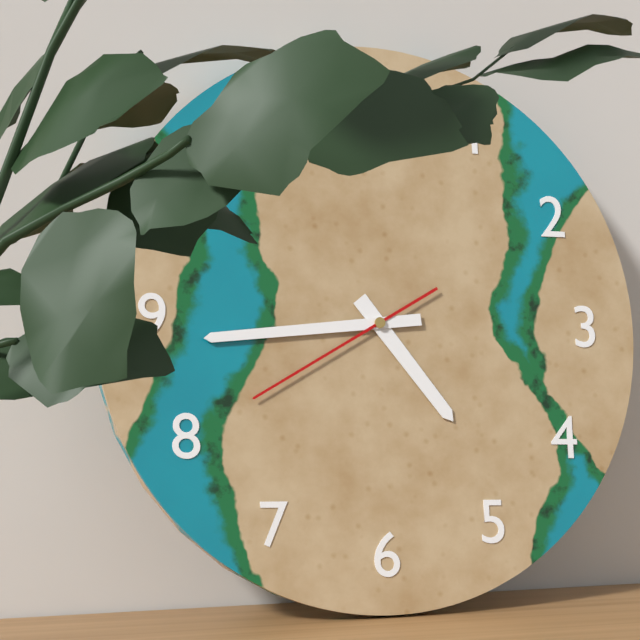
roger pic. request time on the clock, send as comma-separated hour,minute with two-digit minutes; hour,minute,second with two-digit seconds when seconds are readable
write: 4,44,40
